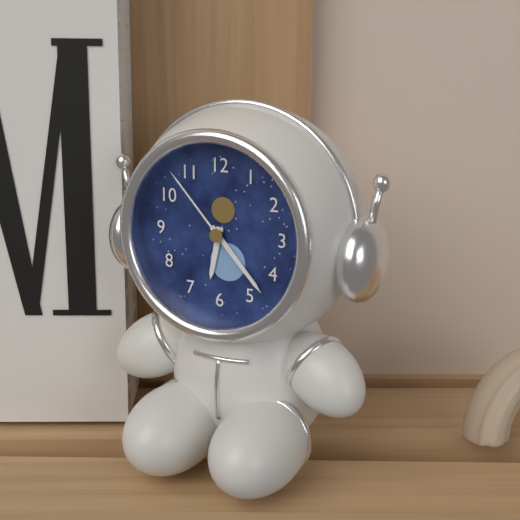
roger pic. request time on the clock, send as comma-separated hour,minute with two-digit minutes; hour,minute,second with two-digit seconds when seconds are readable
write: 6,23,53
